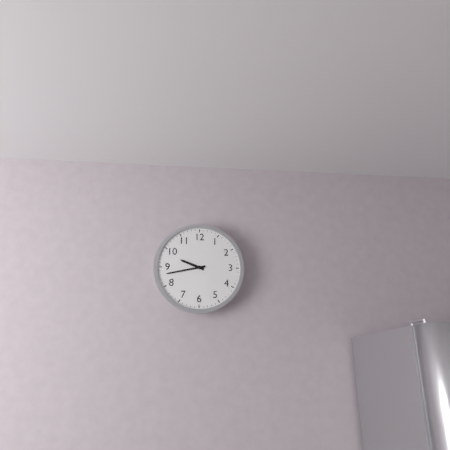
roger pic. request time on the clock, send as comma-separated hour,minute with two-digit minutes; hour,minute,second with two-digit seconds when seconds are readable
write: 9,43
